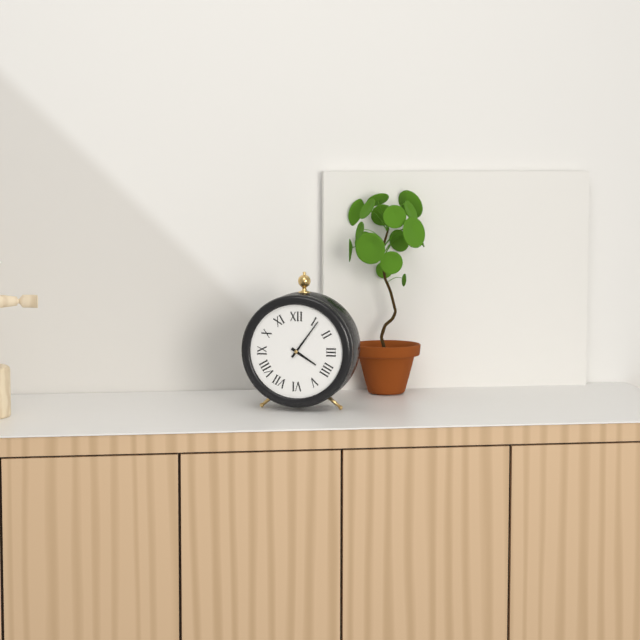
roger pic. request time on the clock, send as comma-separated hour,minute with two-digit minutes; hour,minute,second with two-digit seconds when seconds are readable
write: 4,06
